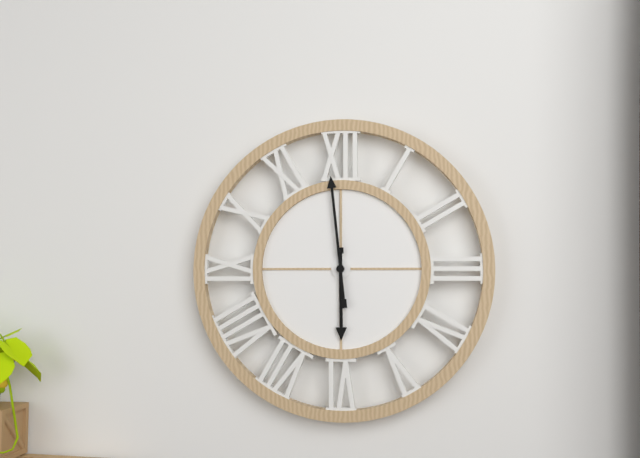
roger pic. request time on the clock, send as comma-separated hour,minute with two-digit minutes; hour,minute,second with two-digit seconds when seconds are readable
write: 5,59
